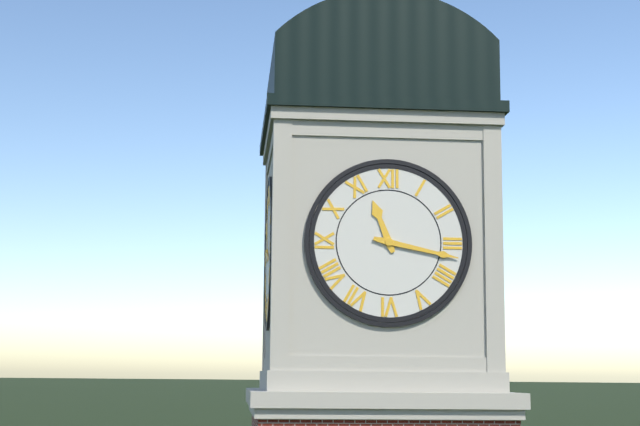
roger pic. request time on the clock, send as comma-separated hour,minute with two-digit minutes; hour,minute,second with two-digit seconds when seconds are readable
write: 11,17
